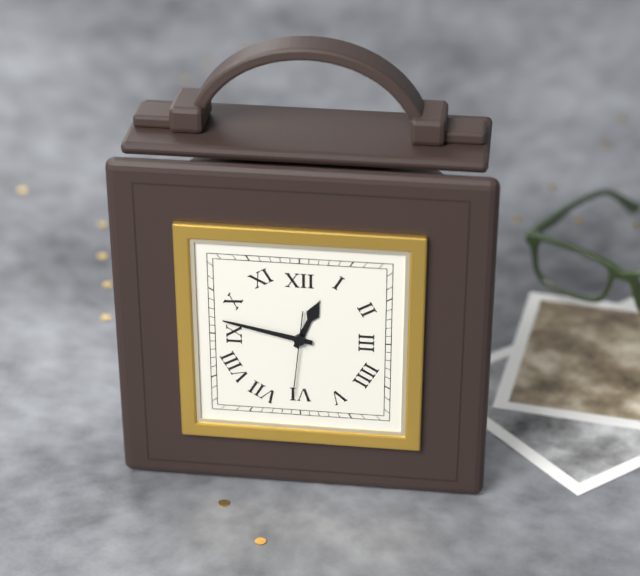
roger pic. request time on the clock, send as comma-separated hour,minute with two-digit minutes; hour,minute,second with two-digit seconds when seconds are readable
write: 12,47,31
